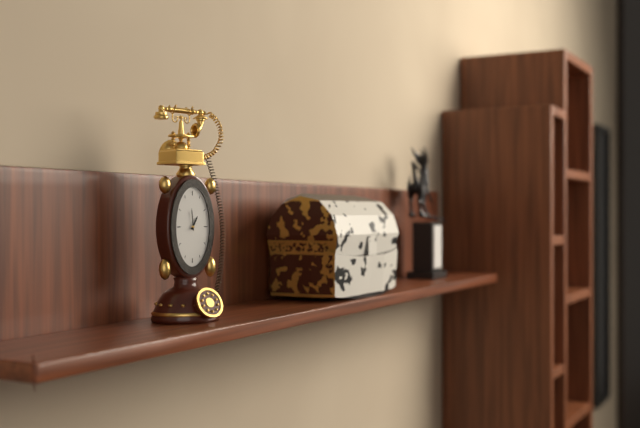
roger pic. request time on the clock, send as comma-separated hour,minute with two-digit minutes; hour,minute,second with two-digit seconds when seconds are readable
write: 12,59
